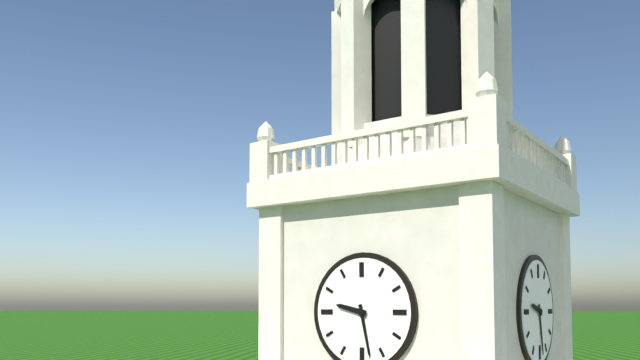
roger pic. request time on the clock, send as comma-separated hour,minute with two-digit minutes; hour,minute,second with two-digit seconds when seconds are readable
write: 9,28
